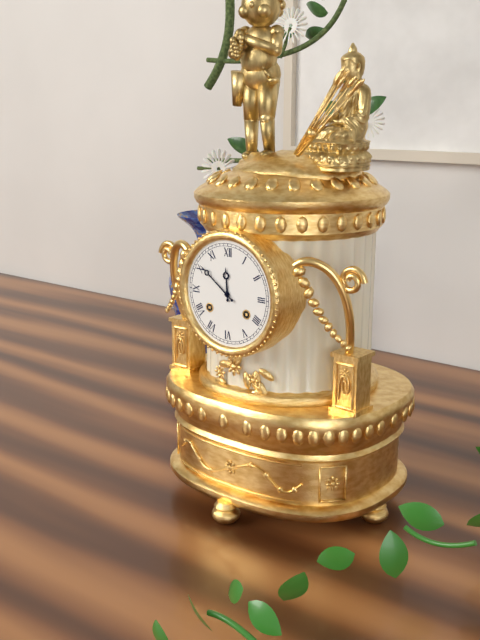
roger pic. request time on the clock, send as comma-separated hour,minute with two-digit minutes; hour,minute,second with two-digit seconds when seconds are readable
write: 11,51
